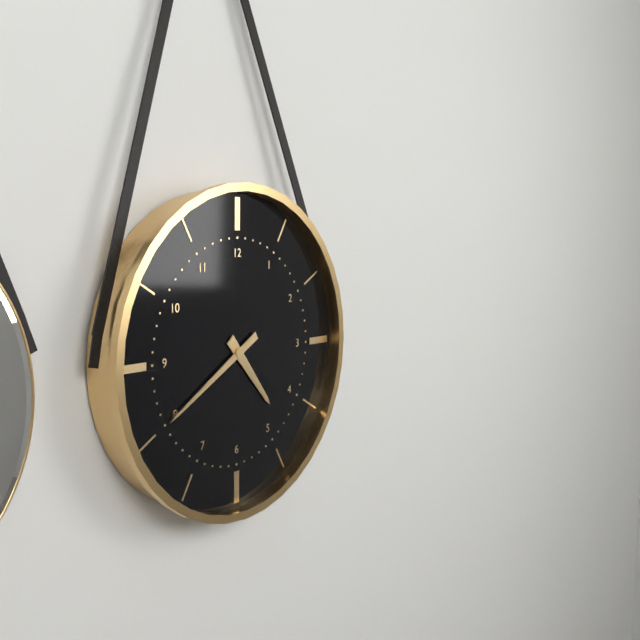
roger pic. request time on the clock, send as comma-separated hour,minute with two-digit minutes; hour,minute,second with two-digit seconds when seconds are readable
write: 4,40
